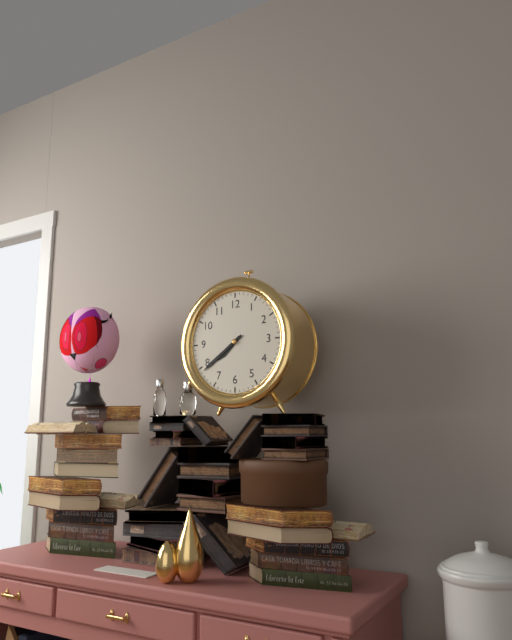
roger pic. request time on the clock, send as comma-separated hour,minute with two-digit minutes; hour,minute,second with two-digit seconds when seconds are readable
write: 7,39
